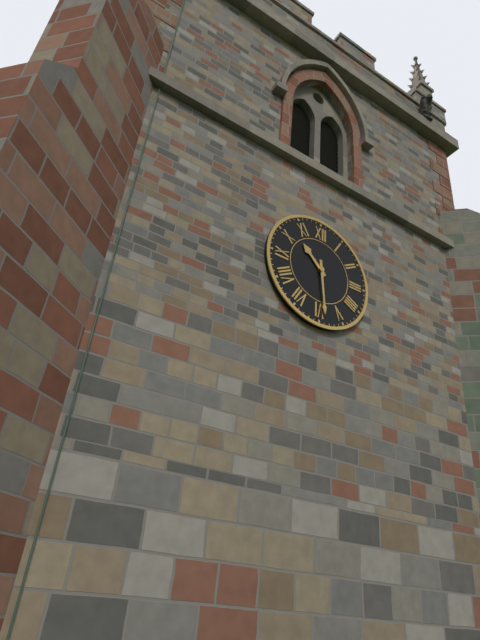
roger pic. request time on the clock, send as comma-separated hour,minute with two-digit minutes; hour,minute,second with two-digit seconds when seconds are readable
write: 10,29
